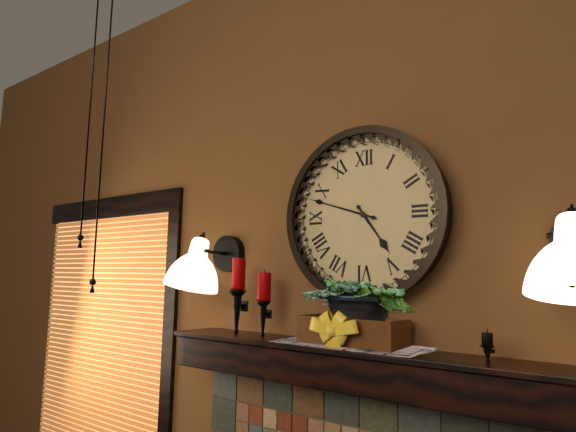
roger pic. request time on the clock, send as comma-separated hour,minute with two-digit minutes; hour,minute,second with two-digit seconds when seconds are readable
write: 4,48
